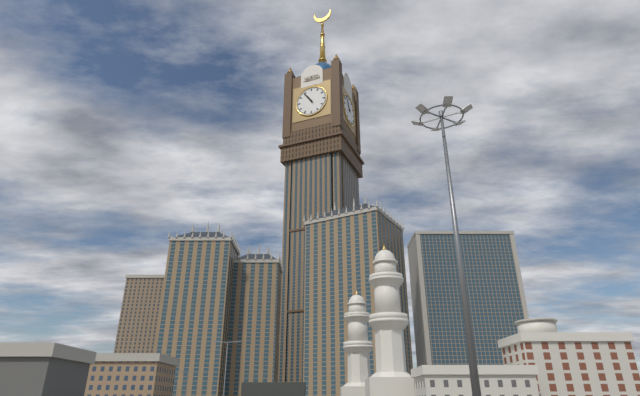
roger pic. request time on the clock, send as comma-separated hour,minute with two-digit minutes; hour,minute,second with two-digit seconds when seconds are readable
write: 10,54
